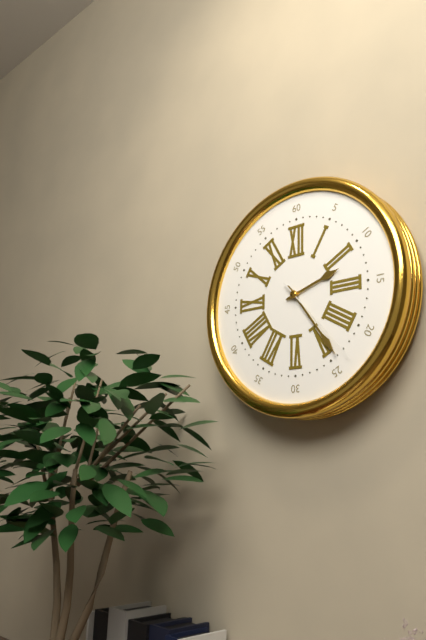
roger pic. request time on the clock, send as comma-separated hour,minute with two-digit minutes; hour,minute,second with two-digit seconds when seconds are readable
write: 2,24,23
